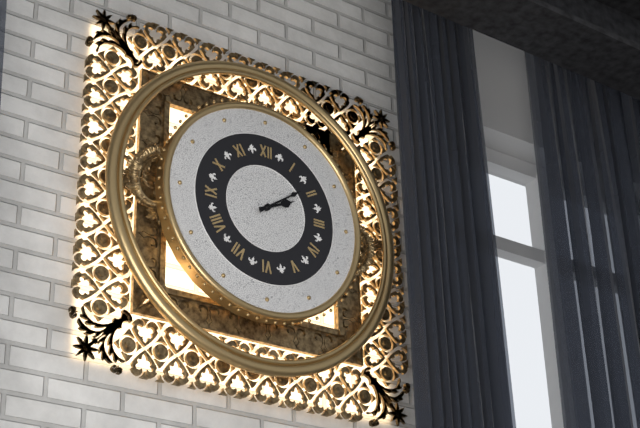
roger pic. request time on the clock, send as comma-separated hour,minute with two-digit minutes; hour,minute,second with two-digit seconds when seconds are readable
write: 2,09
